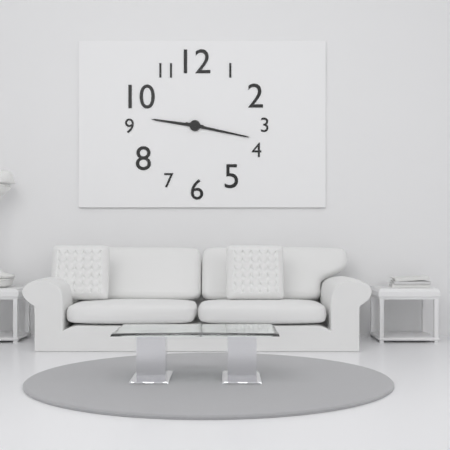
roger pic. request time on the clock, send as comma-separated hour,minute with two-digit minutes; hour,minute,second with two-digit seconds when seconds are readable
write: 9,17
